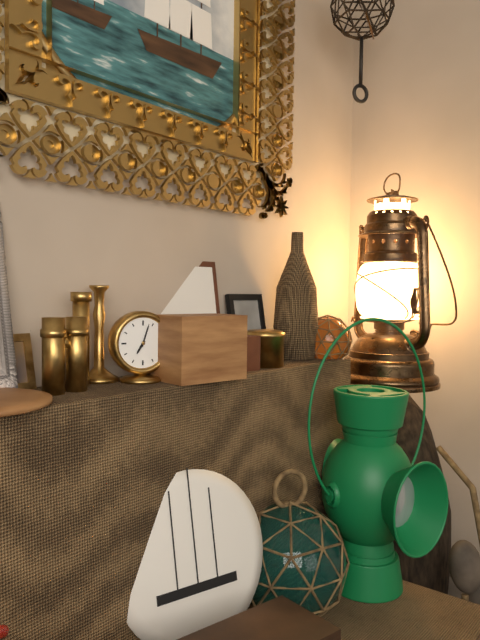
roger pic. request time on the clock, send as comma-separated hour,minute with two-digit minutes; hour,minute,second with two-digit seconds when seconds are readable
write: 7,03
